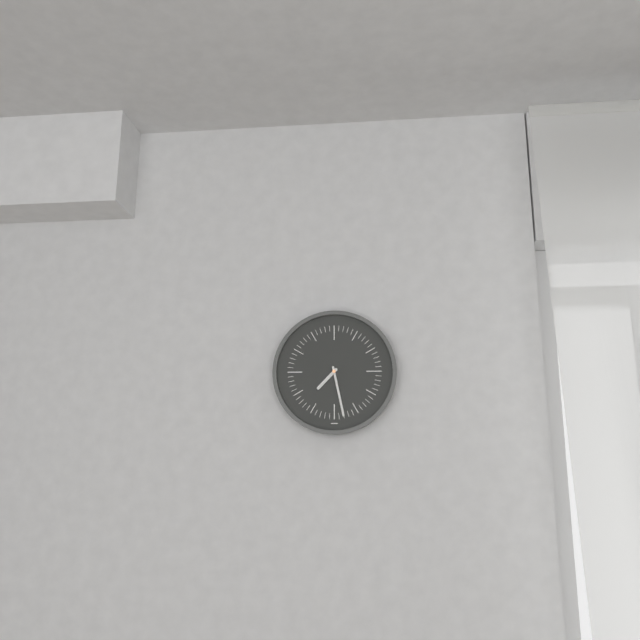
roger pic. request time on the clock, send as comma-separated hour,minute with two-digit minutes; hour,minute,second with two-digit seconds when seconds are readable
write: 7,28
